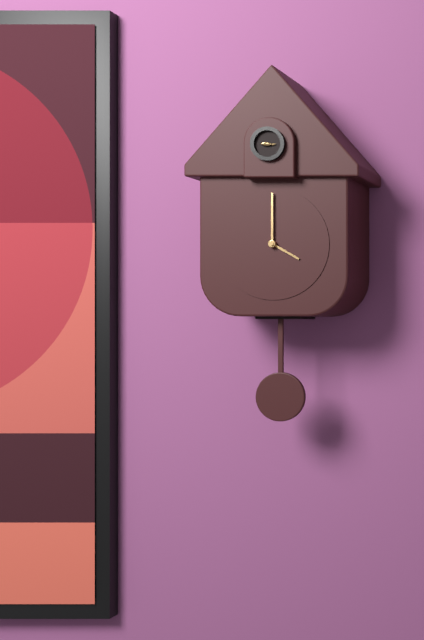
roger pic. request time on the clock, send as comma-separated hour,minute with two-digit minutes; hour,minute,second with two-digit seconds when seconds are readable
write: 4,00
